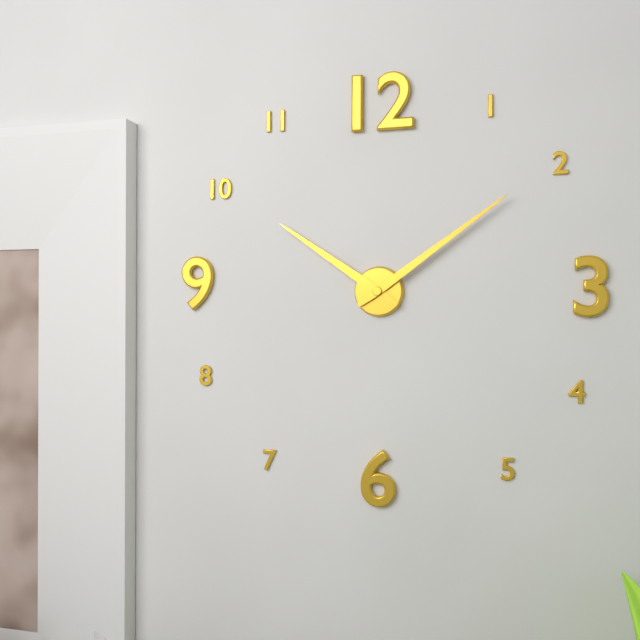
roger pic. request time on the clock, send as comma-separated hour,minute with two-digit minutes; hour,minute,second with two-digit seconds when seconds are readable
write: 10,09
